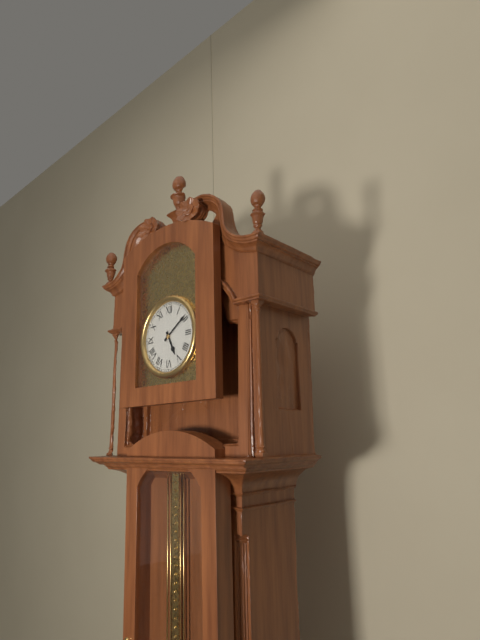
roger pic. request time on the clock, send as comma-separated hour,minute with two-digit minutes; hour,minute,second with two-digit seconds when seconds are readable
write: 5,09
